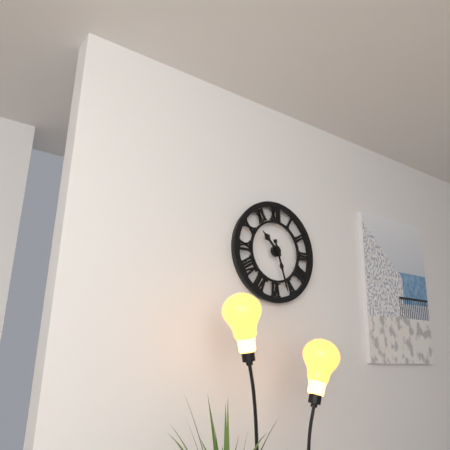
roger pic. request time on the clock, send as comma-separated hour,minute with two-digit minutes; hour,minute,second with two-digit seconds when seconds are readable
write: 10,27
